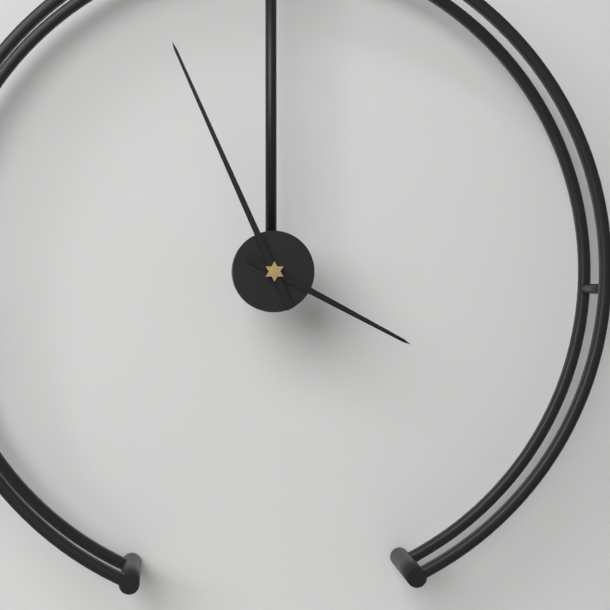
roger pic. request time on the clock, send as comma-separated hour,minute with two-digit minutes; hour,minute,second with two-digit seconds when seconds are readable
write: 3,56
